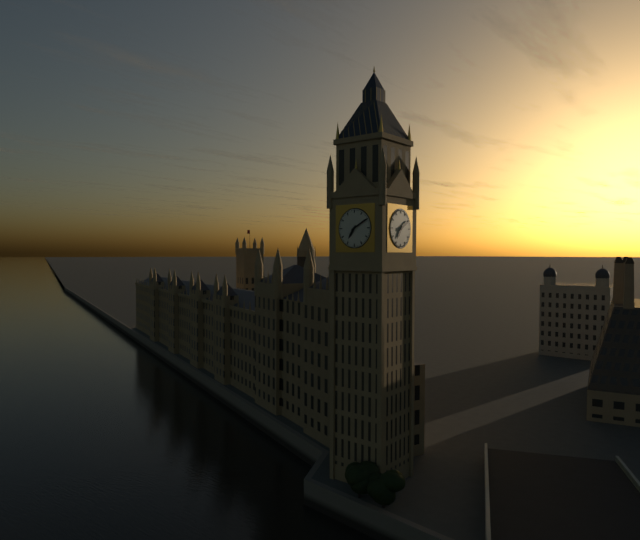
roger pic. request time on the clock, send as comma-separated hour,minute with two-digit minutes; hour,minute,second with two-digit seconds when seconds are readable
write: 7,10
